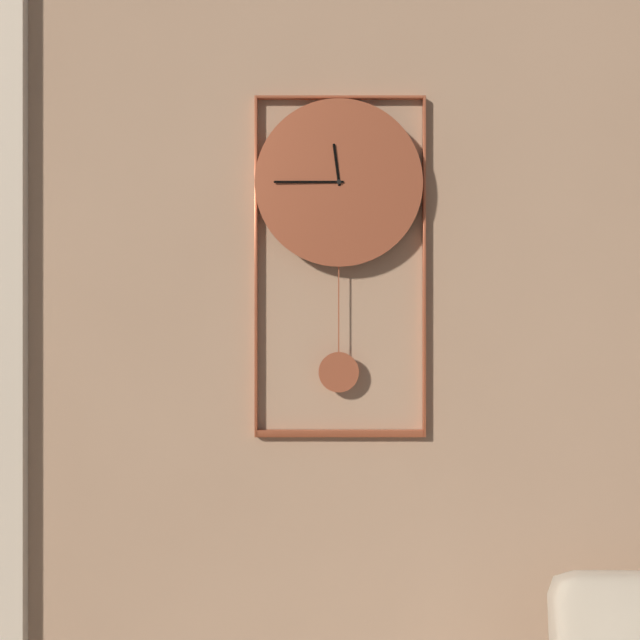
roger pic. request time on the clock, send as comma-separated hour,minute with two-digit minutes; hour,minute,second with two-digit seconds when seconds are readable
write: 11,45
